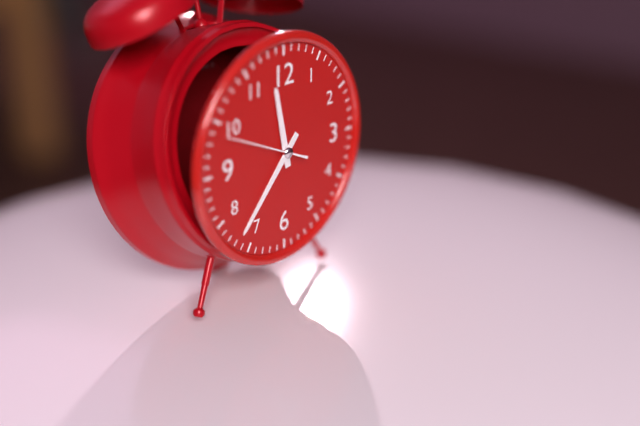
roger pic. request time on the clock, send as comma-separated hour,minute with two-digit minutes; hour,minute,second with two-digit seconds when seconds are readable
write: 11,37,49
